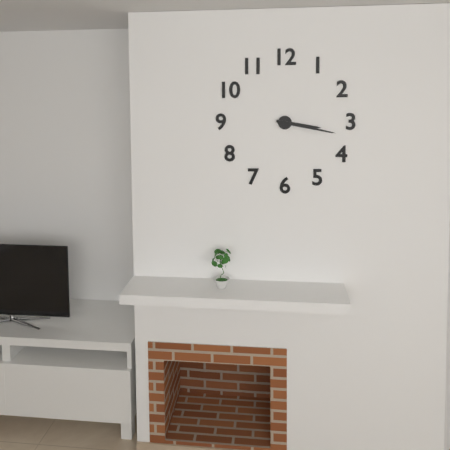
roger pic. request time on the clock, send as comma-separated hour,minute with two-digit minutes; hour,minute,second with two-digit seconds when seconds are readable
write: 3,17
